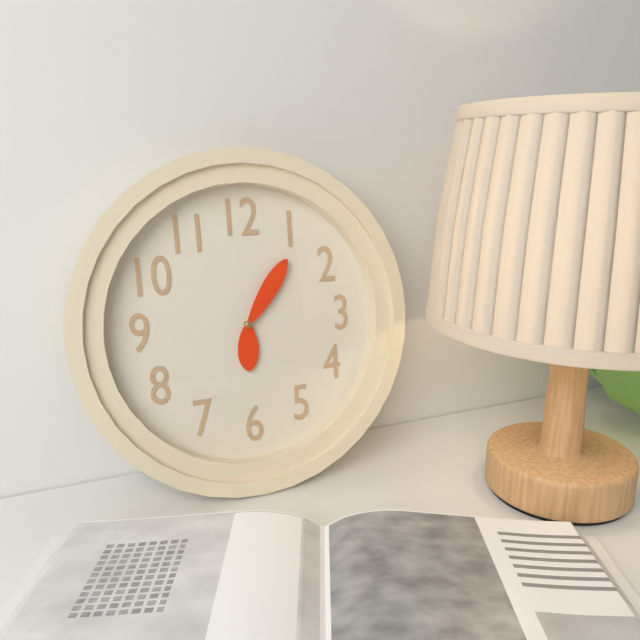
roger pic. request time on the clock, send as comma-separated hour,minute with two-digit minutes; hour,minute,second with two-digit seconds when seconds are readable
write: 6,06
